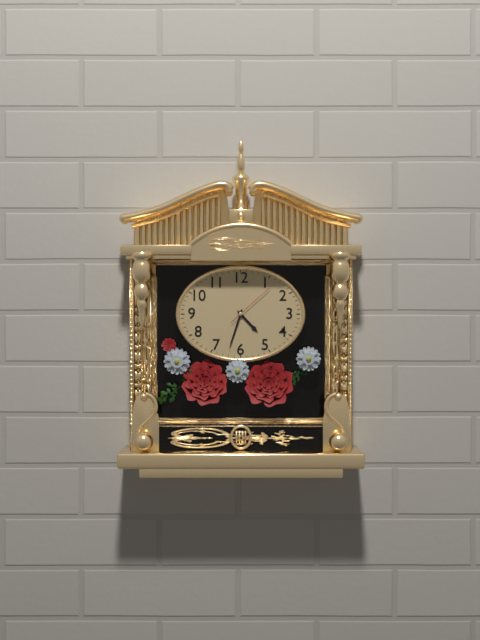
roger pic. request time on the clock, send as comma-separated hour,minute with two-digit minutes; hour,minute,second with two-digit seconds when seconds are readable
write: 4,33
